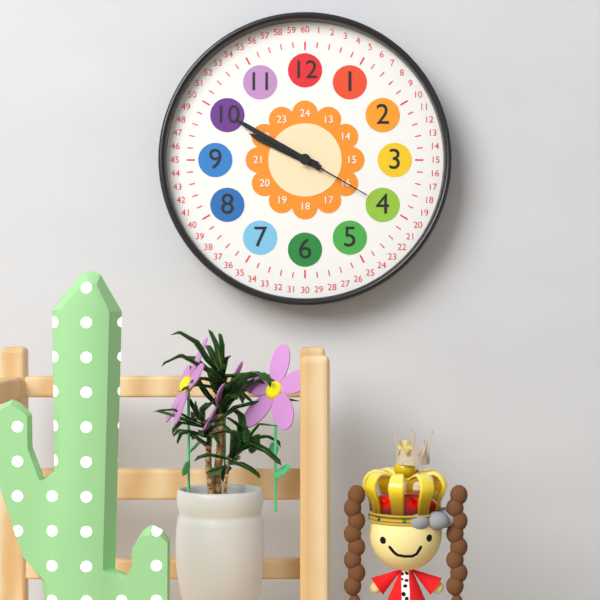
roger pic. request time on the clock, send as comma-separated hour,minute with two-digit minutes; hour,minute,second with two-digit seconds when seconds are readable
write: 9,50,20
